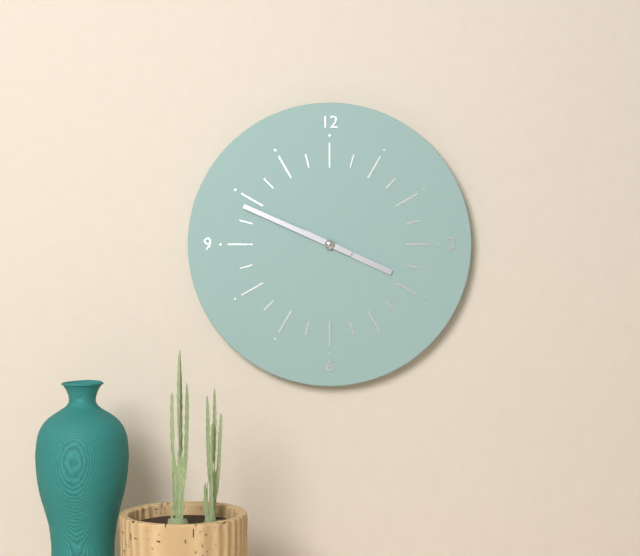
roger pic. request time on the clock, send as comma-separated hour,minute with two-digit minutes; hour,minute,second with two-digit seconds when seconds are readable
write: 3,49
